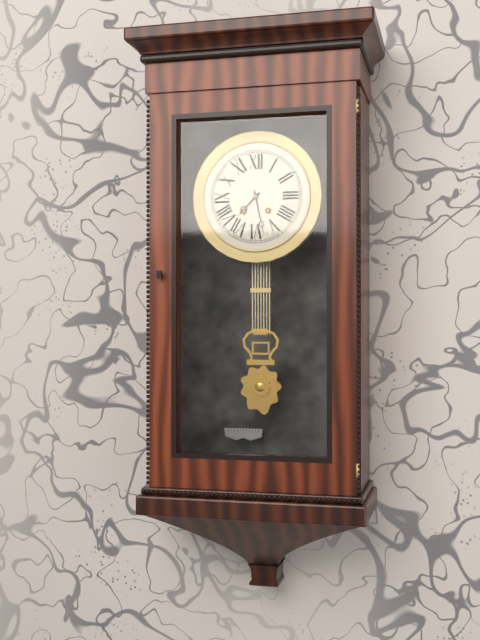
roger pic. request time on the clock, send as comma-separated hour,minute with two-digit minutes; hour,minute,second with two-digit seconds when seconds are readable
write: 7,28
